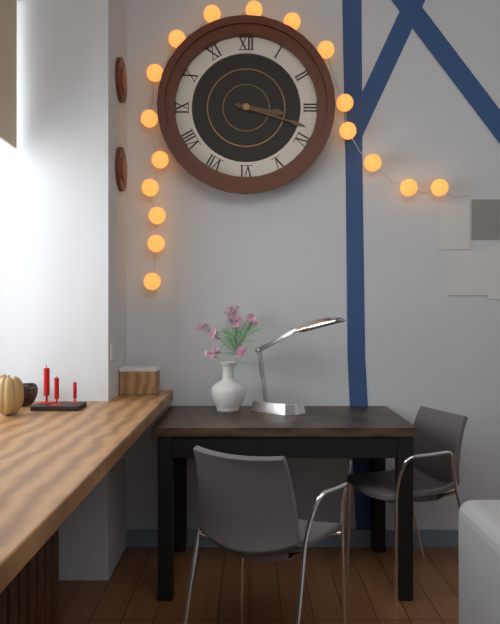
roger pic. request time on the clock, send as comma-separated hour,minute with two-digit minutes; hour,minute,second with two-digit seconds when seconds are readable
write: 3,18
